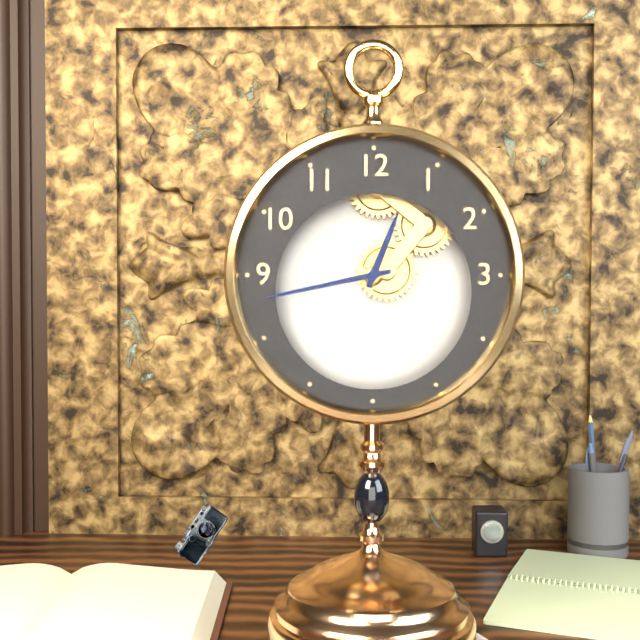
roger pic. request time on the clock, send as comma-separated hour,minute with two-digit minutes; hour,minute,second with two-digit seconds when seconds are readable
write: 12,43
